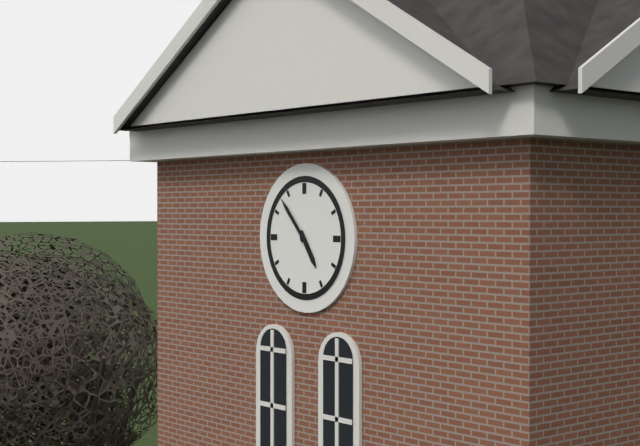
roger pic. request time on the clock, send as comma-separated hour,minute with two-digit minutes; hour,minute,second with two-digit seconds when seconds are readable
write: 4,53
